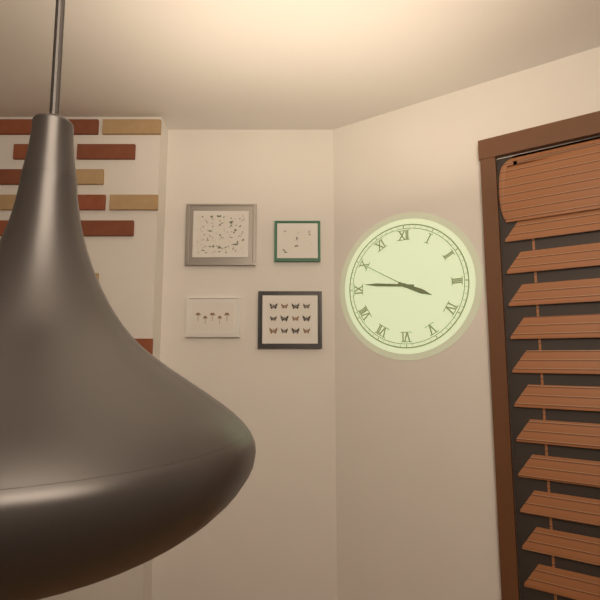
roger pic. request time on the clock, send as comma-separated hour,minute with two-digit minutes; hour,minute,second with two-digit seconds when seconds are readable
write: 3,46,50
